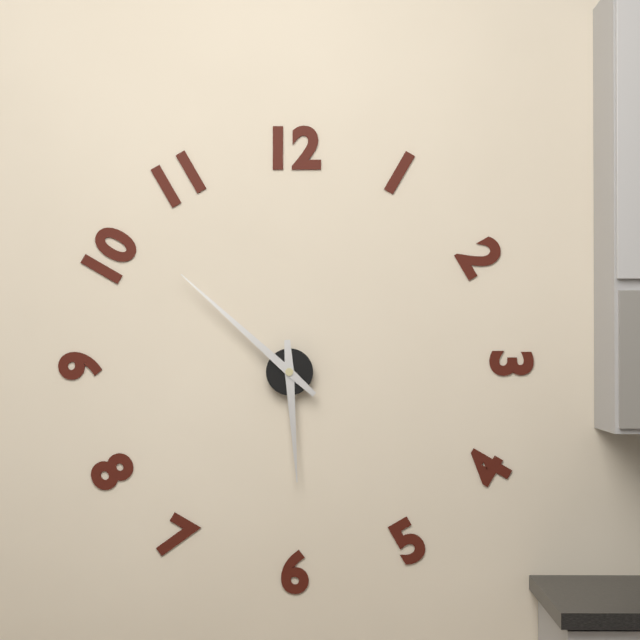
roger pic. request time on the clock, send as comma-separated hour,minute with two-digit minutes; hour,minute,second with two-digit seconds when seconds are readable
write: 5,52
